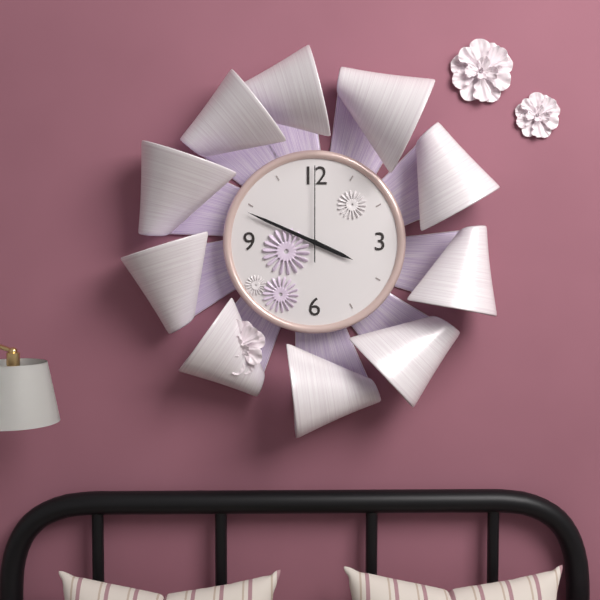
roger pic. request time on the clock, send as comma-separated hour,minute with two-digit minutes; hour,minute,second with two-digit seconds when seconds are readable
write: 3,49,00
